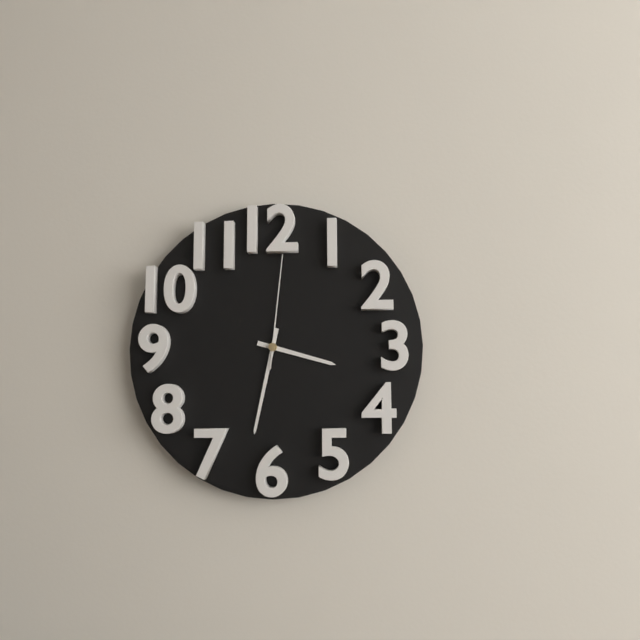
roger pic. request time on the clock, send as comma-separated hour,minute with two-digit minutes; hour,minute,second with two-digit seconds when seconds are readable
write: 3,32,01
